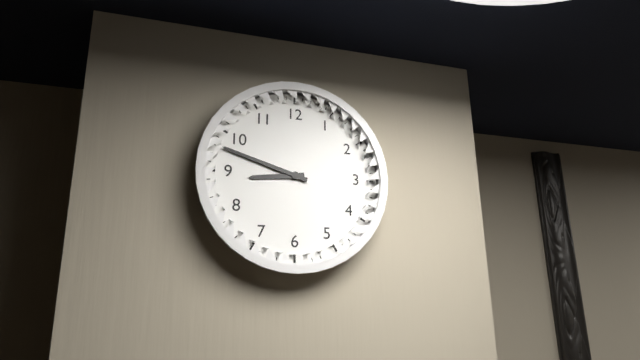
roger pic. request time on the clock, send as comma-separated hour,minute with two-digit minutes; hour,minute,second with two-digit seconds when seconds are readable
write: 8,48
